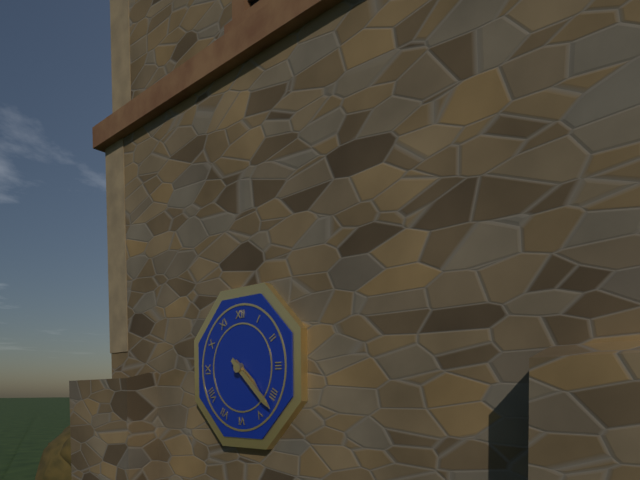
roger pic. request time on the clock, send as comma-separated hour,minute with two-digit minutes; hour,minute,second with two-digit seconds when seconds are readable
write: 4,22
